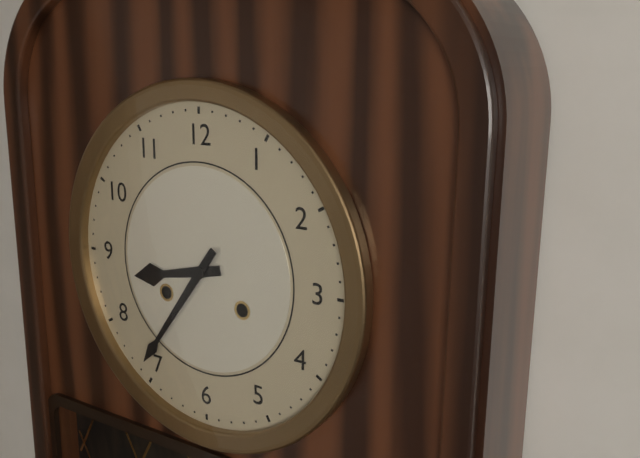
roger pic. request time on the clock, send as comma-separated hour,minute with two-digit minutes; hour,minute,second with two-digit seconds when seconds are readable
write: 8,36
